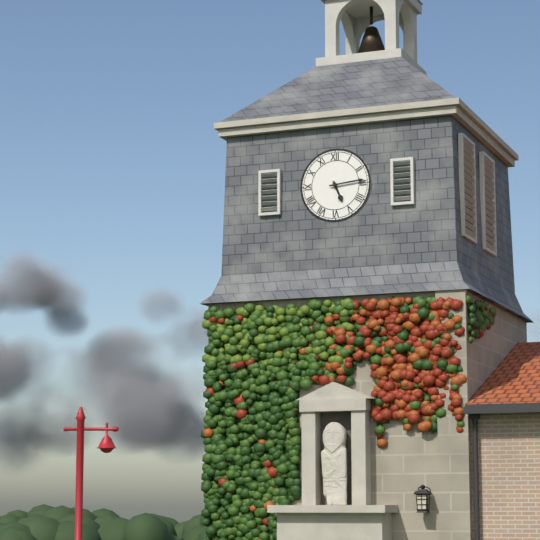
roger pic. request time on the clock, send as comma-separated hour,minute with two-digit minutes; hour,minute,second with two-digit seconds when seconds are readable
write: 5,14
